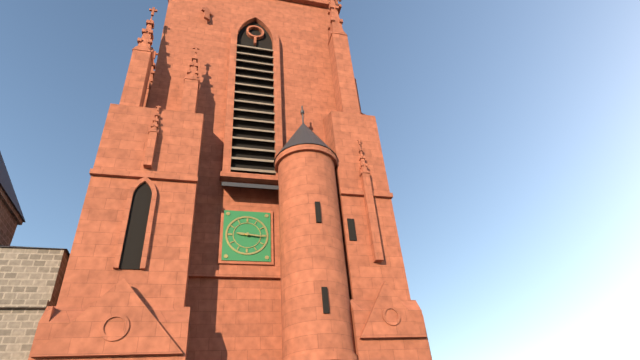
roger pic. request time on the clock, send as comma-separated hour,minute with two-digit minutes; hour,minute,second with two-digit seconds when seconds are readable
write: 9,16
